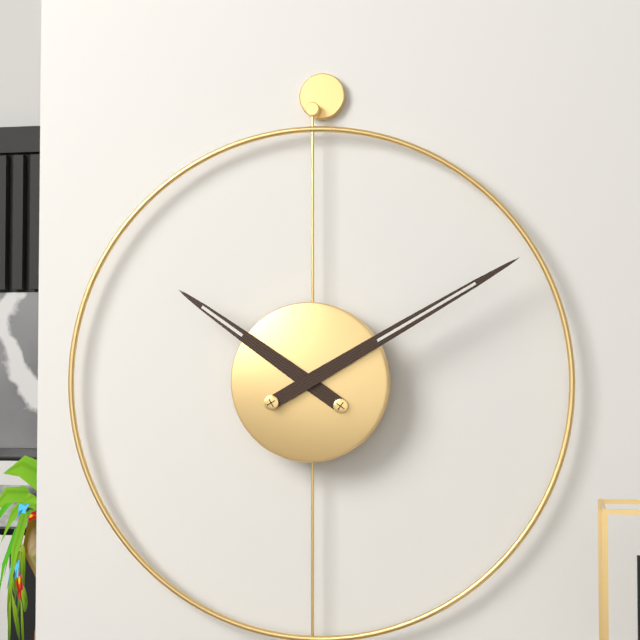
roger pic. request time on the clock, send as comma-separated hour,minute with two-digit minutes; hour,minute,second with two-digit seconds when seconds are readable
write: 10,10
